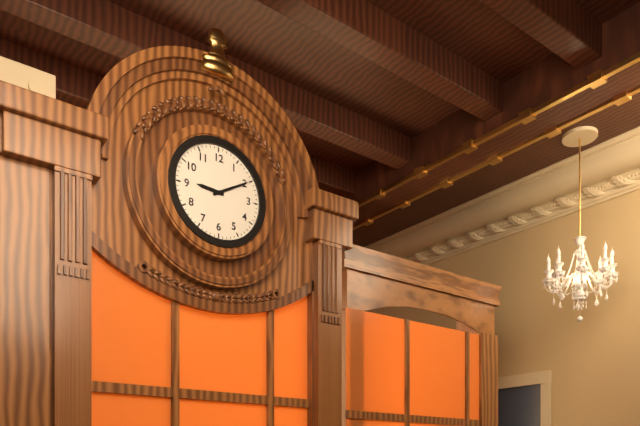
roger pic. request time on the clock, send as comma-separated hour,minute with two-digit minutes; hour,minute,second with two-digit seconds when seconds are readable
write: 9,10
